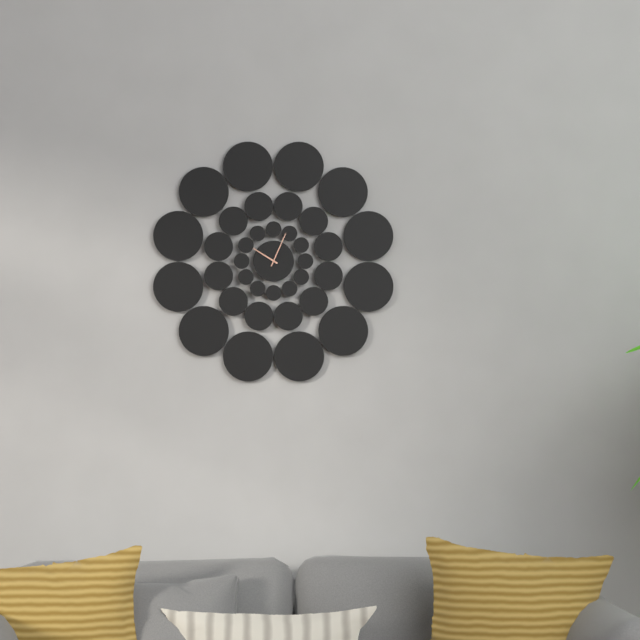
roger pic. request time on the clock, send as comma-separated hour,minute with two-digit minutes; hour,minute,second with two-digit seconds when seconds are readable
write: 10,04
